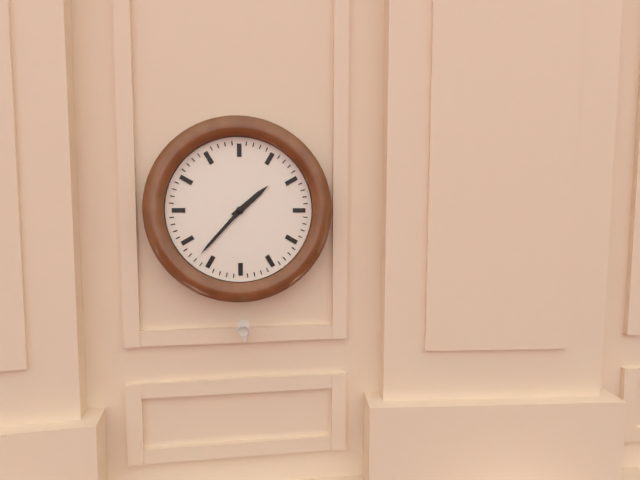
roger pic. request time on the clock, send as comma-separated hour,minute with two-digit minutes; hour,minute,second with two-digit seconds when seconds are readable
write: 1,37
